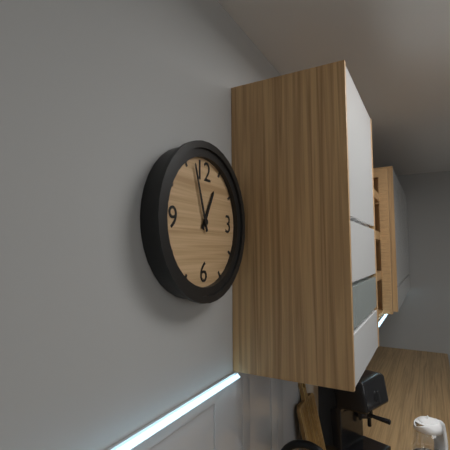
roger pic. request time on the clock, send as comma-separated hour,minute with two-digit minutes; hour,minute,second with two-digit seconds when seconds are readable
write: 12,57
